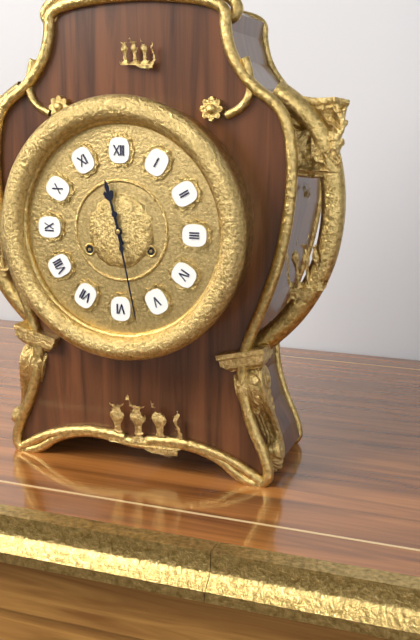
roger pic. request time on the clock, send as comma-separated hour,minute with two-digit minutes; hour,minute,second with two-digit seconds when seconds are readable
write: 11,28
